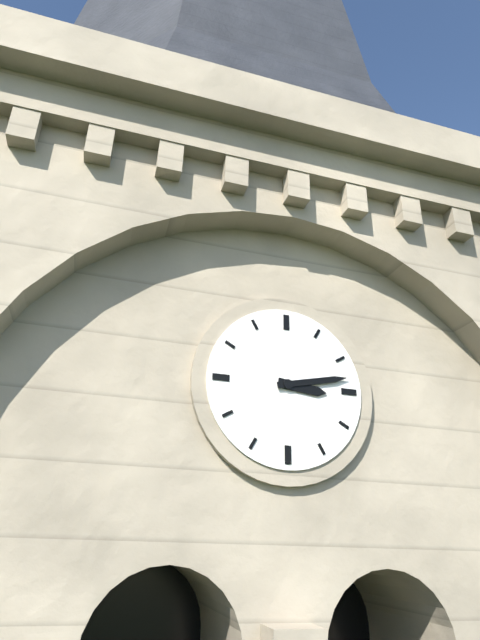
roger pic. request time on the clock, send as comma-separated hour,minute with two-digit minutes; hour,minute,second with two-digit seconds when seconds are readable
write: 3,13
